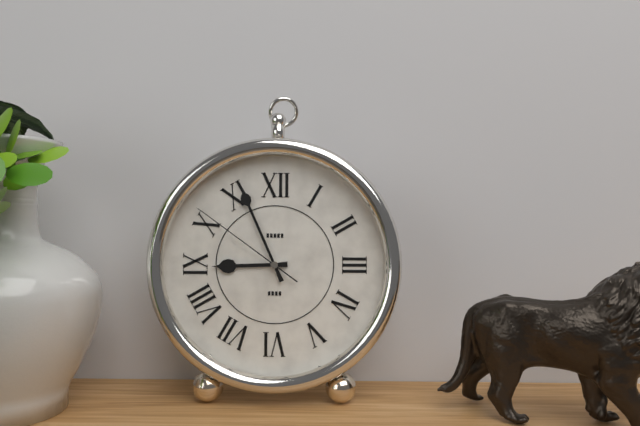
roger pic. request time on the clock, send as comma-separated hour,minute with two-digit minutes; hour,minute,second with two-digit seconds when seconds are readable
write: 8,56,51
